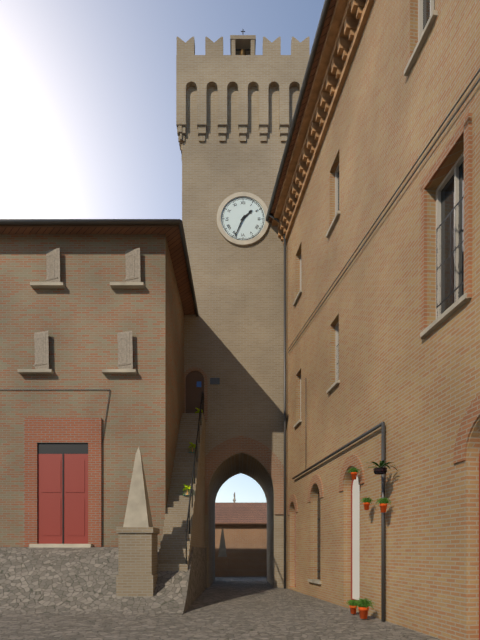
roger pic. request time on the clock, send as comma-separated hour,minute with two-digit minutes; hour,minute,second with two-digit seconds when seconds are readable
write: 1,34
